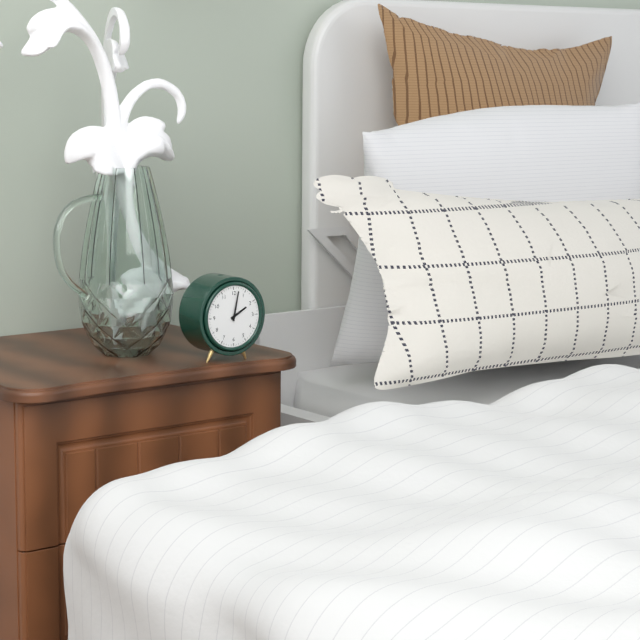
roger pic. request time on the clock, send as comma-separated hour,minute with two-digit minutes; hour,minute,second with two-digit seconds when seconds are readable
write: 2,02
